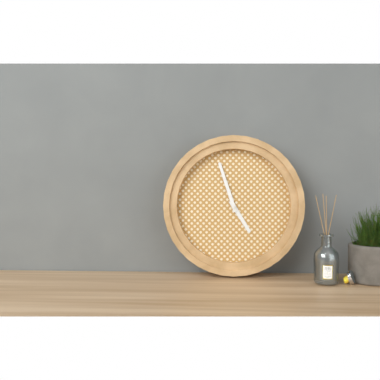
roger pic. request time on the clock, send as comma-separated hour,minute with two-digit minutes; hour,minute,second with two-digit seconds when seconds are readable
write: 4,57
